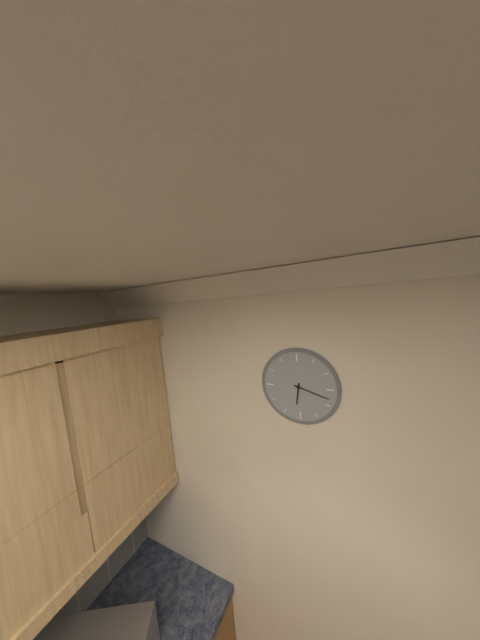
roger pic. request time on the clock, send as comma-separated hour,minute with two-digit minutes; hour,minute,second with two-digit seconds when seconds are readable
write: 6,18
